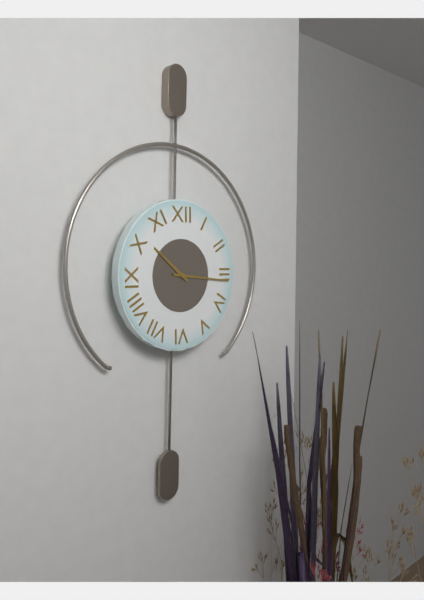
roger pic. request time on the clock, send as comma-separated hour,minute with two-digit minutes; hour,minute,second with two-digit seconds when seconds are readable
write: 10,16
